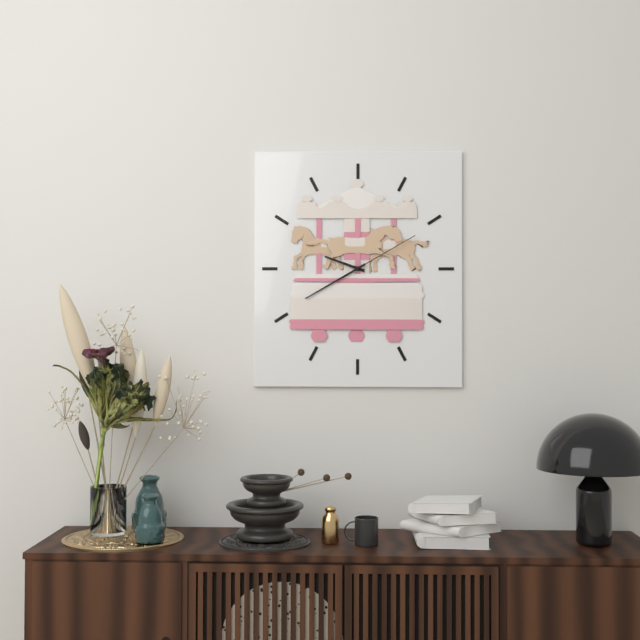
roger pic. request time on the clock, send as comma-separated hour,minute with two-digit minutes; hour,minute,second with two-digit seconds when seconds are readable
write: 9,40,10
